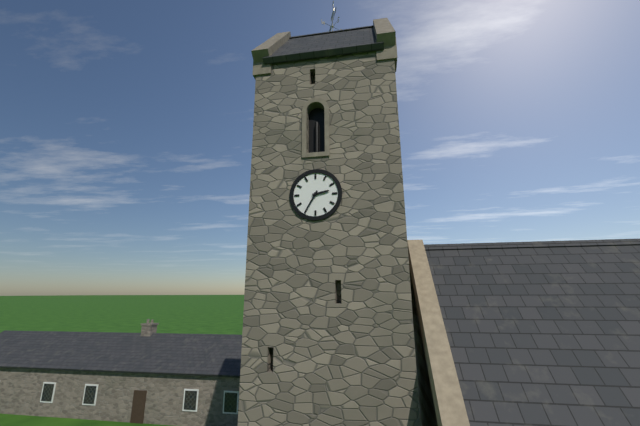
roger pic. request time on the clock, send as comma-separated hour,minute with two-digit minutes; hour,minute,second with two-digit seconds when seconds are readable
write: 2,35
